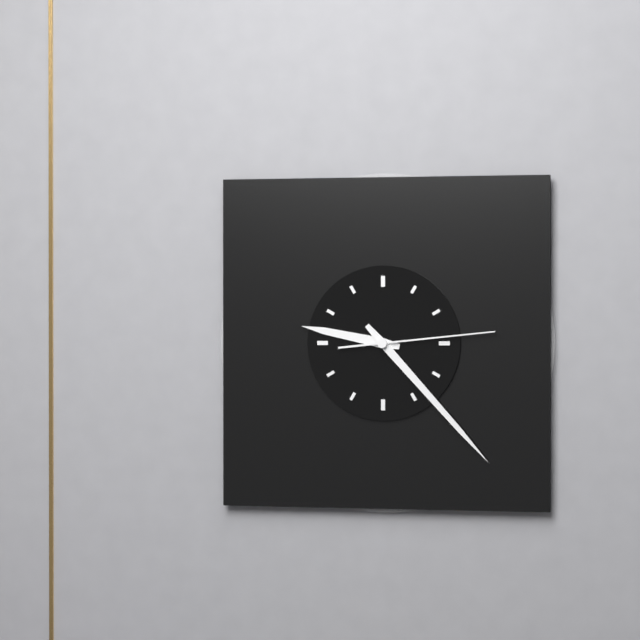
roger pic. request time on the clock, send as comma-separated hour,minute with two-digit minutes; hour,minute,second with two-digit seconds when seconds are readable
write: 9,23,14
